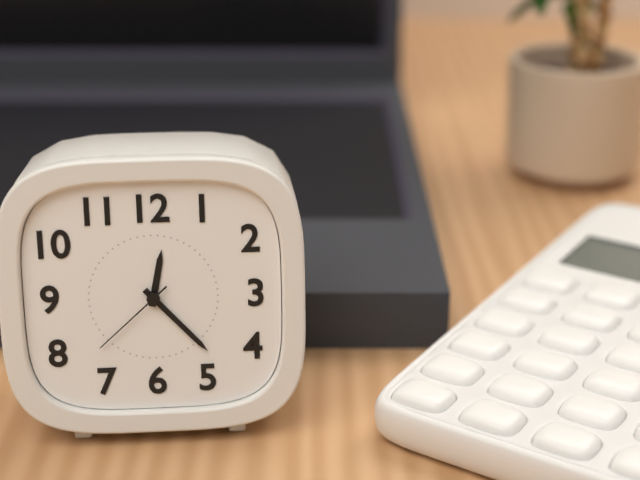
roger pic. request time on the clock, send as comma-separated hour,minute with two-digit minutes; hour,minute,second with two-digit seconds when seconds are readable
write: 12,23,38
